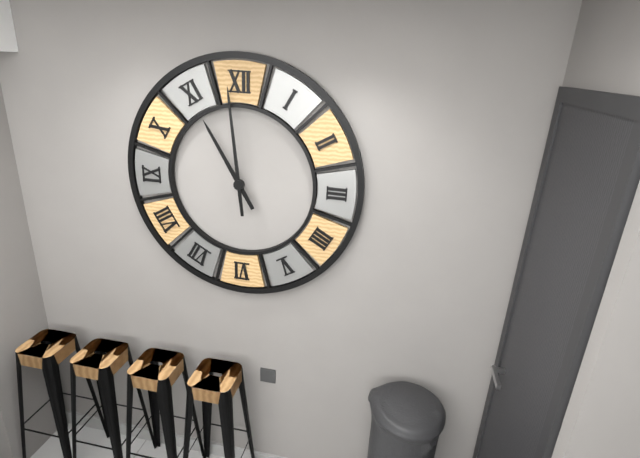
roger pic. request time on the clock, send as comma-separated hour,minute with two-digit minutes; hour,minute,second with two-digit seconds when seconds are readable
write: 10,59
